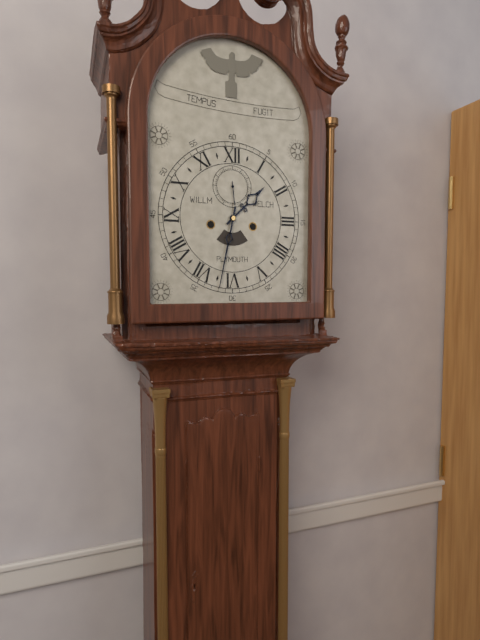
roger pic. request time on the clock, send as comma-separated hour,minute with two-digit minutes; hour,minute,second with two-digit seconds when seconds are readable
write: 1,32
